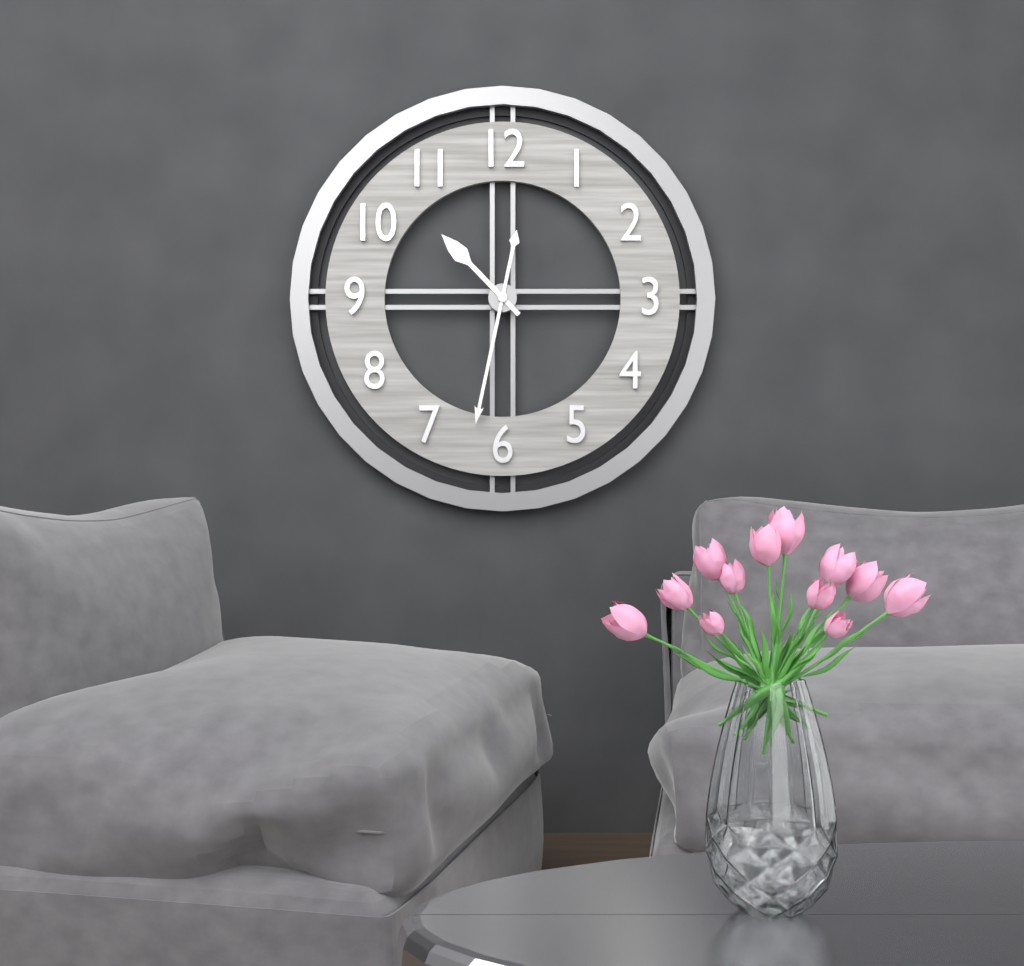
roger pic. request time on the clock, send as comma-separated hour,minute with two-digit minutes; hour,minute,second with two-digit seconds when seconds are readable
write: 10,32
